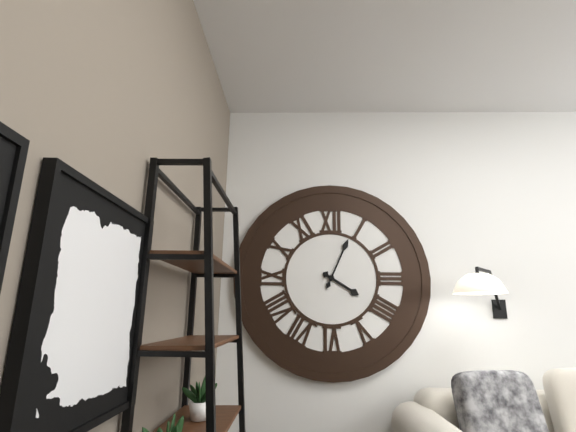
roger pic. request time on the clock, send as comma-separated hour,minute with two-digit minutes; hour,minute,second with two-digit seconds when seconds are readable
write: 4,04
